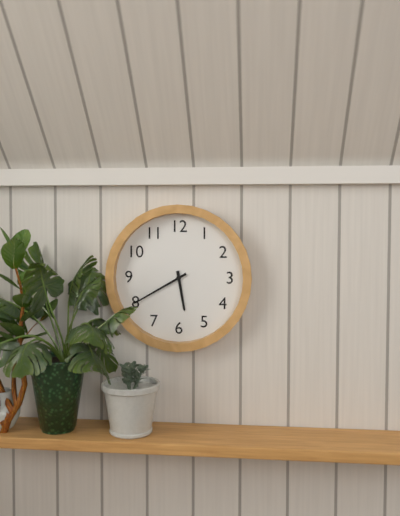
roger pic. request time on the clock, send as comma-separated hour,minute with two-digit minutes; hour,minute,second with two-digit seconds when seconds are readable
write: 5,40
